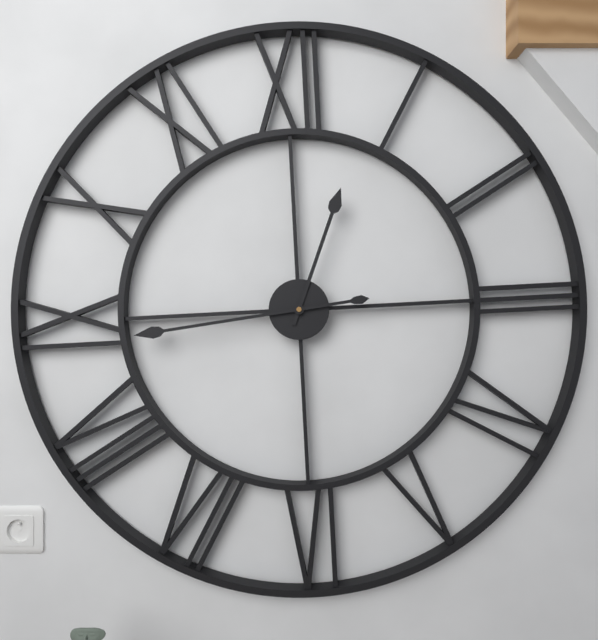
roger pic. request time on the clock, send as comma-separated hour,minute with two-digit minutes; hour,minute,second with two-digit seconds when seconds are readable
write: 12,44
